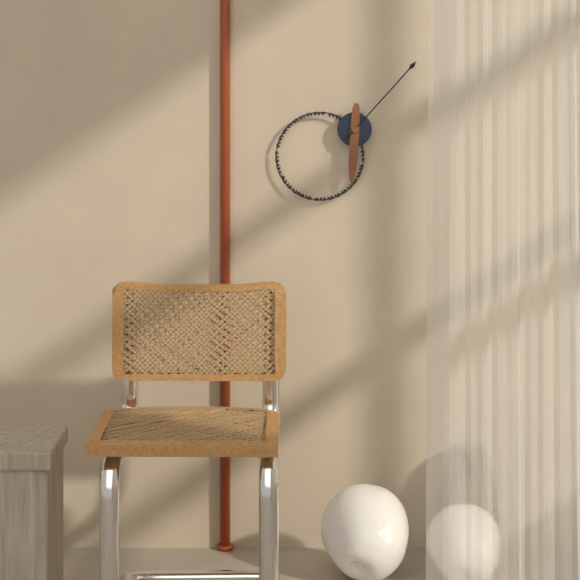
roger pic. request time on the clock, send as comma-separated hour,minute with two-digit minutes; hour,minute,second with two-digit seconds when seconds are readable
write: 6,07
